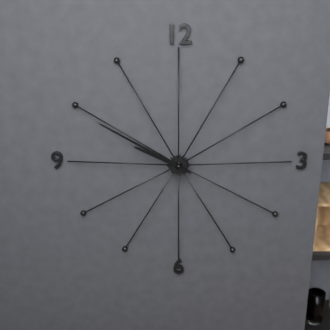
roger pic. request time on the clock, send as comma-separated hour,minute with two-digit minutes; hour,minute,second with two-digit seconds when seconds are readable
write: 9,50
